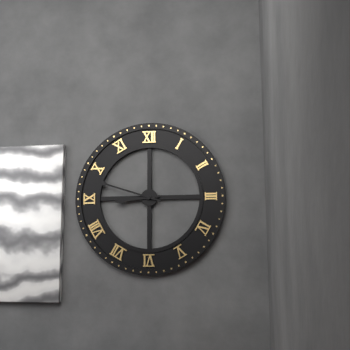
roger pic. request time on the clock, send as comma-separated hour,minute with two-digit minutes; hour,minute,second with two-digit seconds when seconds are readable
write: 8,48
